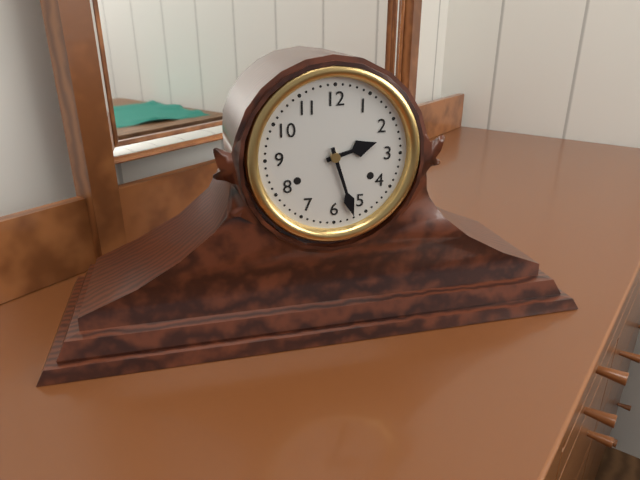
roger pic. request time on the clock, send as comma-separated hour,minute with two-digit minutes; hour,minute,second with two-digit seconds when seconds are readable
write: 2,27
